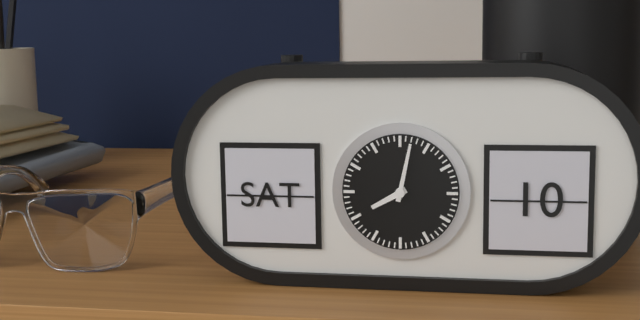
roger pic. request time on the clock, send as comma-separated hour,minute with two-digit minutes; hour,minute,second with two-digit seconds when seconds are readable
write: 8,02
